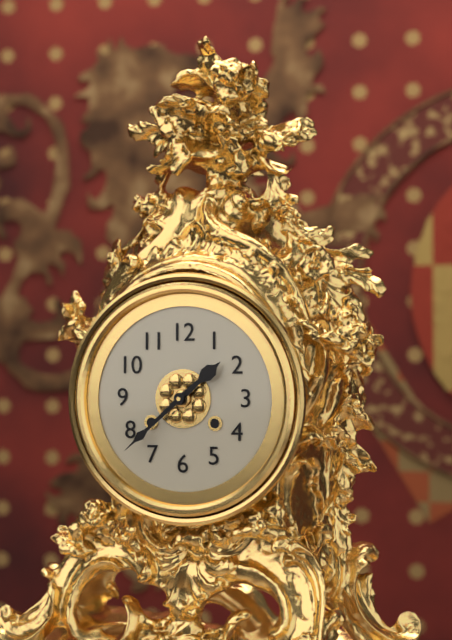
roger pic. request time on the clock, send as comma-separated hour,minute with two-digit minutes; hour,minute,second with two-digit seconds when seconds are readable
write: 1,38
